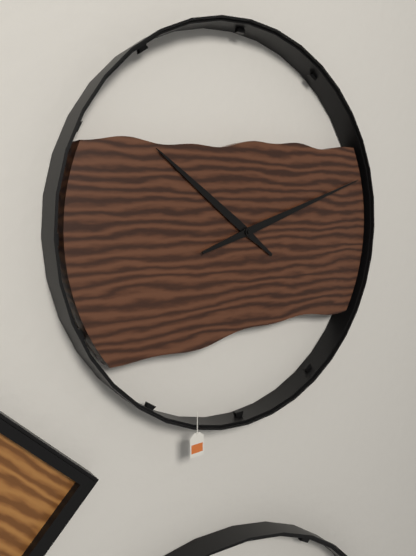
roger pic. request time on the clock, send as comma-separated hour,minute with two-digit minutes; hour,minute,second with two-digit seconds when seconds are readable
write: 10,12
